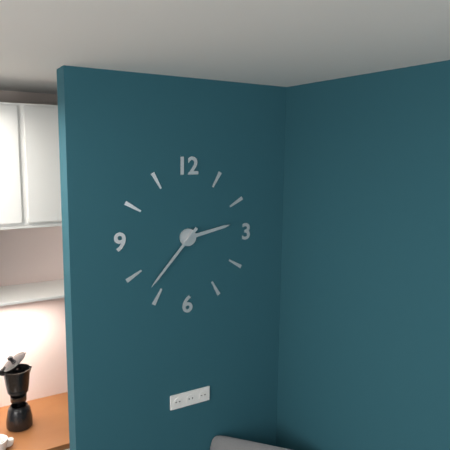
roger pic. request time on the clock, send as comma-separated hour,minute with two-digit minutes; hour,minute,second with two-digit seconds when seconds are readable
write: 2,37
